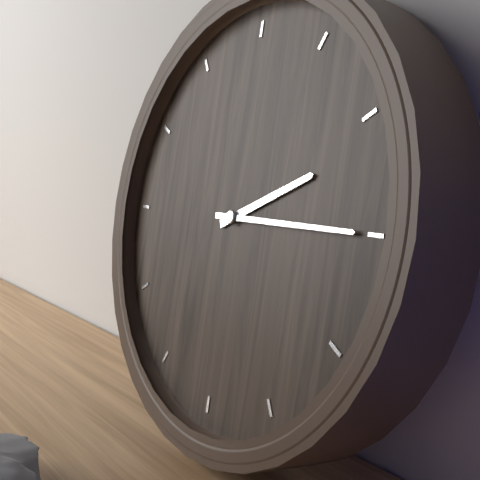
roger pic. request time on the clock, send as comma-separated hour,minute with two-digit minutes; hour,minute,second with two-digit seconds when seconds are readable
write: 2,15
